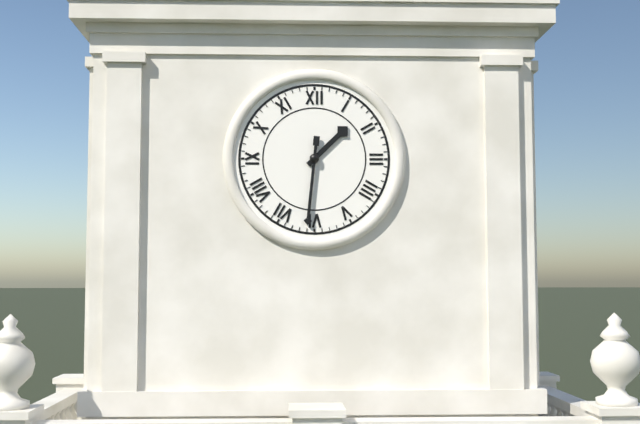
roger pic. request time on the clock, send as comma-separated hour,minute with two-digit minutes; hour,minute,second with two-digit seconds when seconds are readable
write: 1,31
